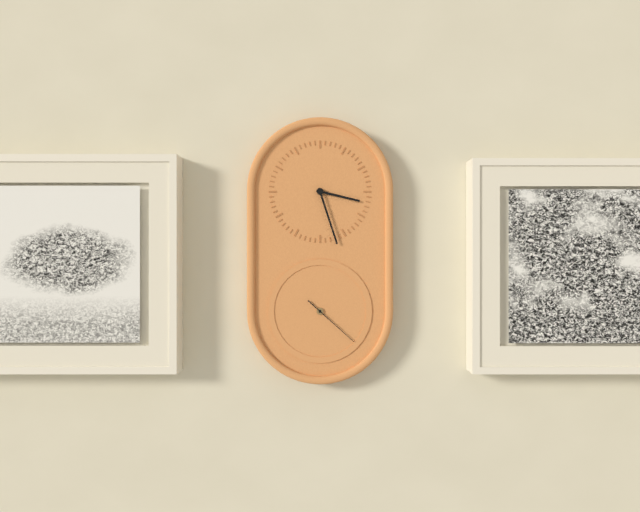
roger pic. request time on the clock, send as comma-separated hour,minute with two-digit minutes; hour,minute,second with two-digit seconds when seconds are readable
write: 3,27,22
